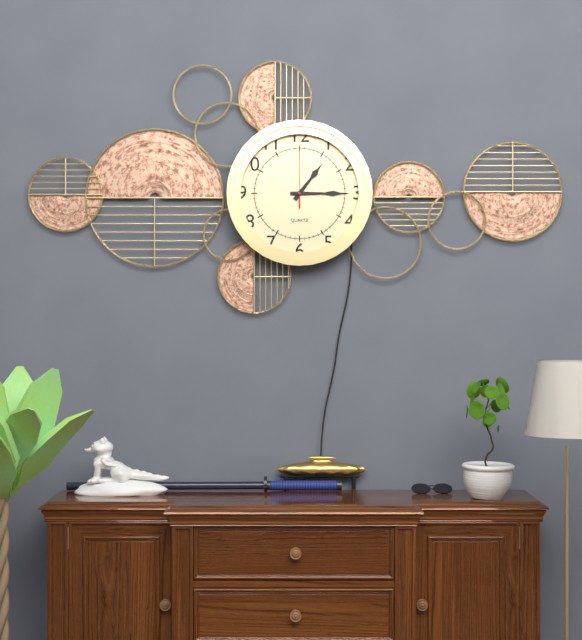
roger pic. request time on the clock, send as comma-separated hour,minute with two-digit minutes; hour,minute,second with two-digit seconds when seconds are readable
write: 1,15,00
